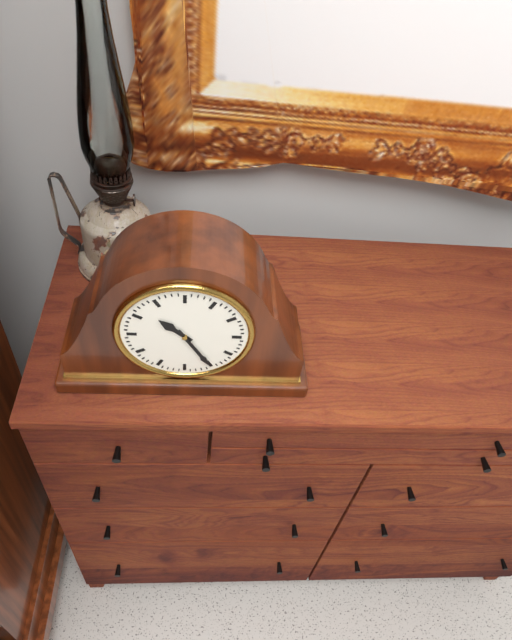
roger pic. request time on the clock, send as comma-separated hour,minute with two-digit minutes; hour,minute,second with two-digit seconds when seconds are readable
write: 10,25
